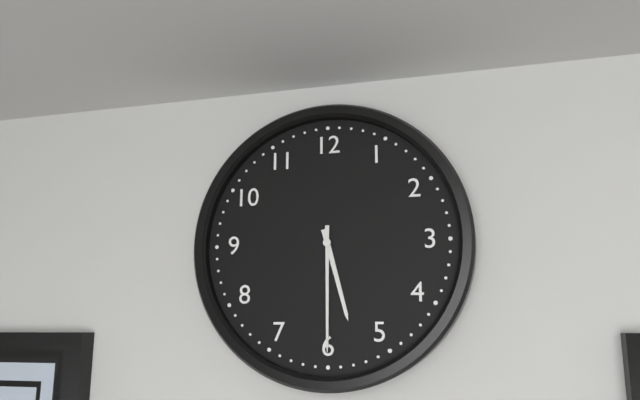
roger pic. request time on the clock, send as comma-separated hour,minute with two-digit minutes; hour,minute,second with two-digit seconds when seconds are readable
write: 5,30
